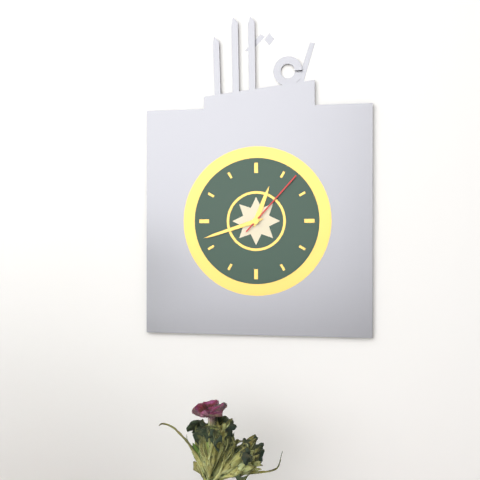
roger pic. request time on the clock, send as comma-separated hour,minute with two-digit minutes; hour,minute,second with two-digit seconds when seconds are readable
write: 12,42,07
